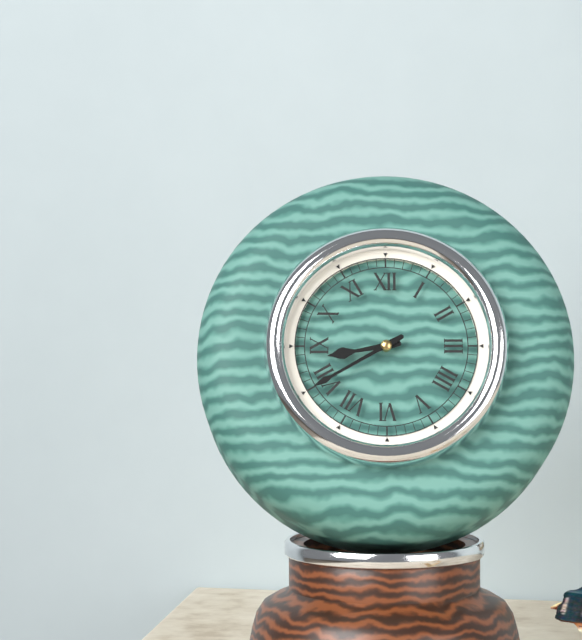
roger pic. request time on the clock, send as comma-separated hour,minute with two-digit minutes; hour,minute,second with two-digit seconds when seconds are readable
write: 8,40
